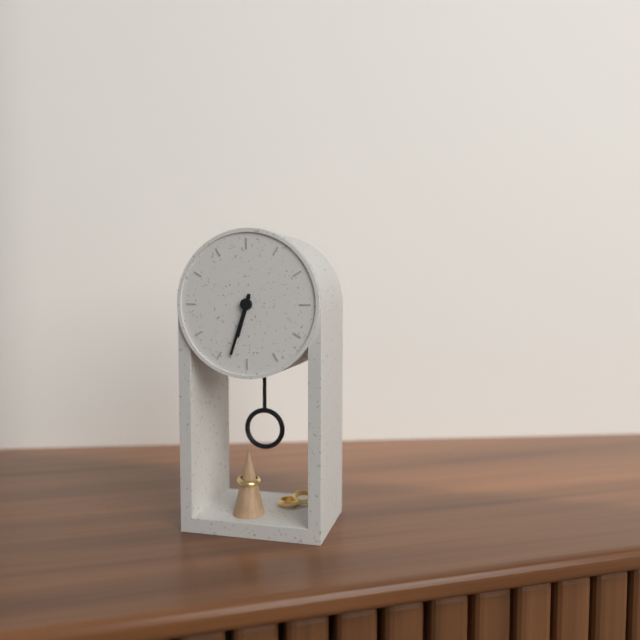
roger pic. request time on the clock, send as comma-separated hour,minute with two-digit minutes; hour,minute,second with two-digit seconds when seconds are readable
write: 6,33
